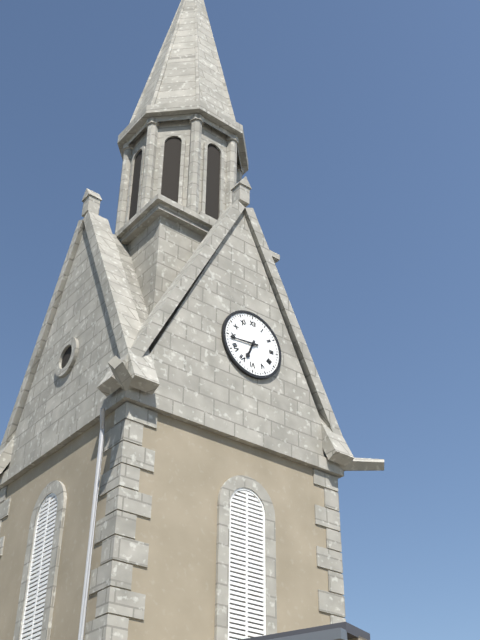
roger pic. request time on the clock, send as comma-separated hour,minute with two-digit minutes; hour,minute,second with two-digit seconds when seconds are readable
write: 6,44
